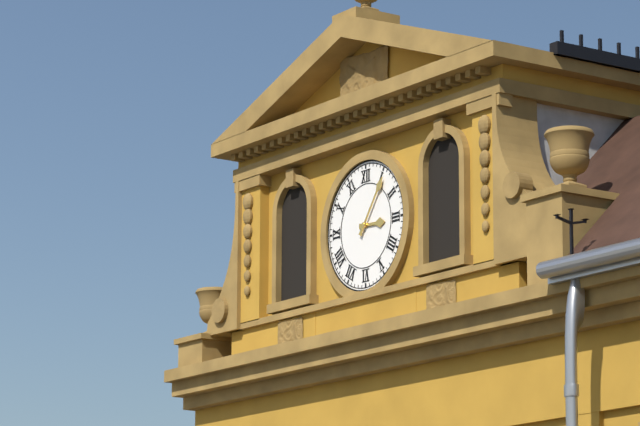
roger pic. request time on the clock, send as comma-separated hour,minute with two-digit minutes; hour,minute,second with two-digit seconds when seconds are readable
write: 3,06
